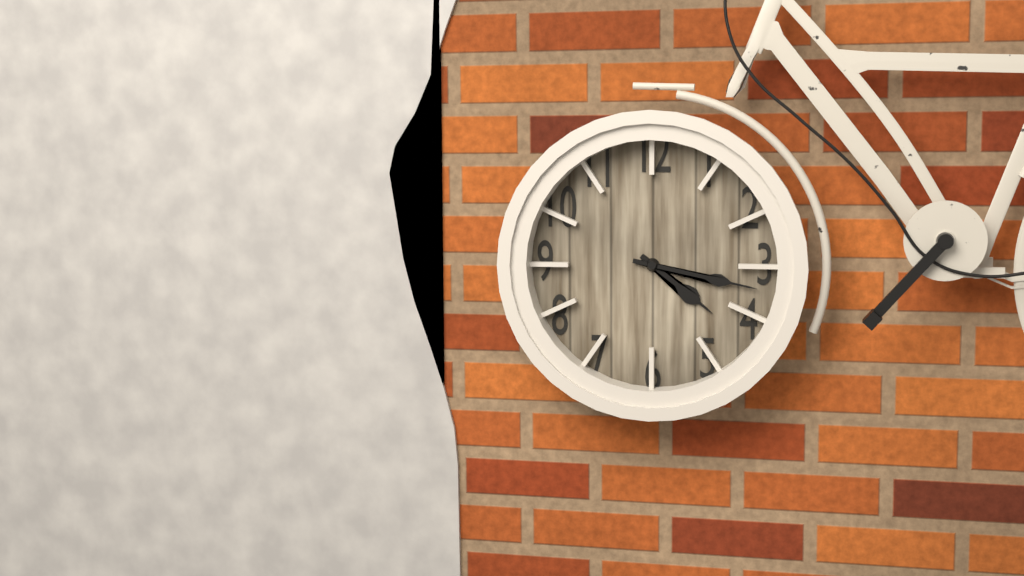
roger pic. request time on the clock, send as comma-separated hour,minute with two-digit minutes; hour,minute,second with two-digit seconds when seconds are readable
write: 4,17
